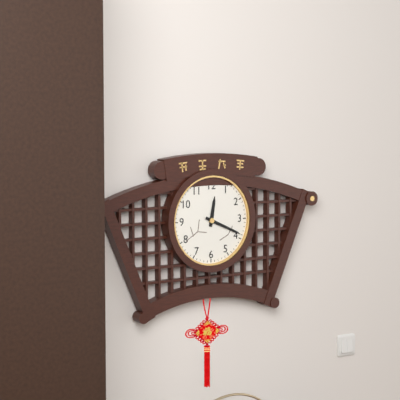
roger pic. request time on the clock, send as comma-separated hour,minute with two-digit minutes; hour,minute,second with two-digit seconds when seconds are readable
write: 12,19
